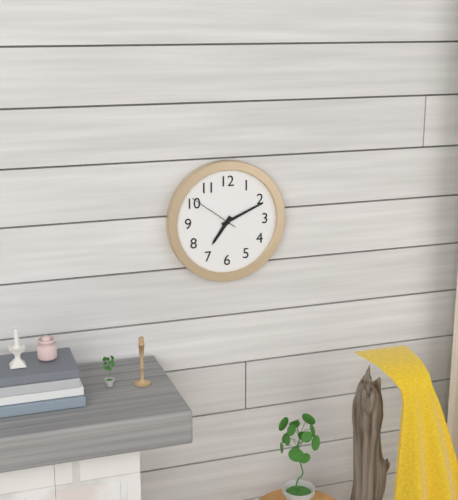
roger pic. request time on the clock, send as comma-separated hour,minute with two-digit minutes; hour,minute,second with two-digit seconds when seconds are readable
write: 7,11,51
